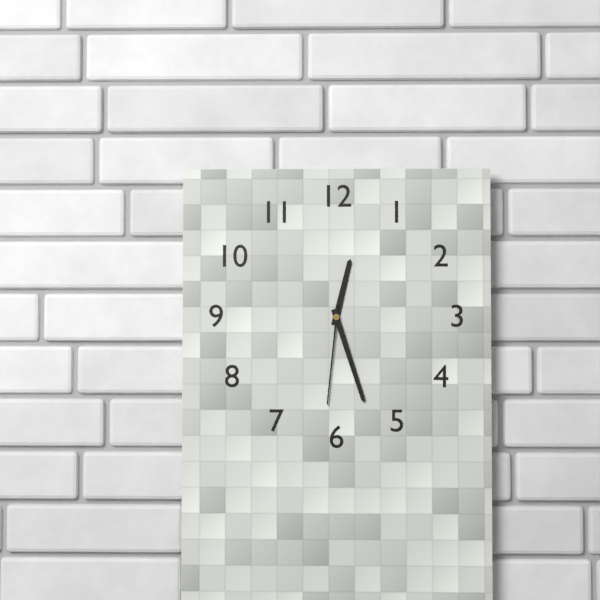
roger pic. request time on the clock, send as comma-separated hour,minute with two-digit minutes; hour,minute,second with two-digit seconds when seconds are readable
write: 12,27,31
